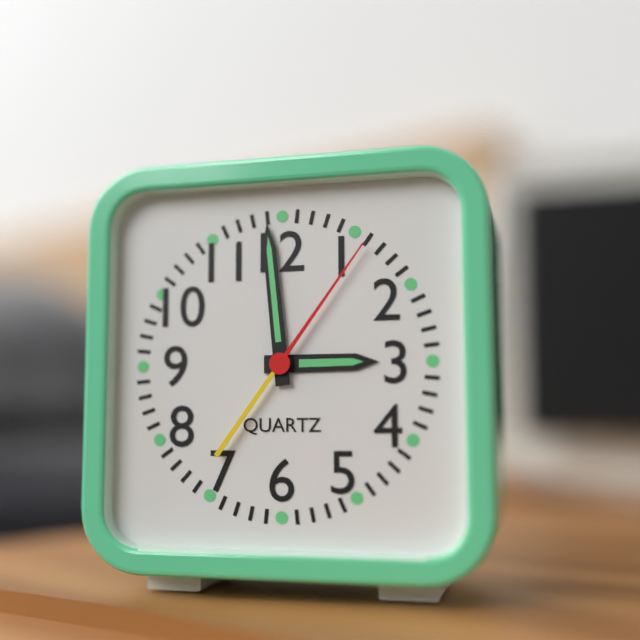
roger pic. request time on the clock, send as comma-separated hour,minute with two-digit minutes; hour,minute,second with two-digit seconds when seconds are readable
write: 2,59,06
